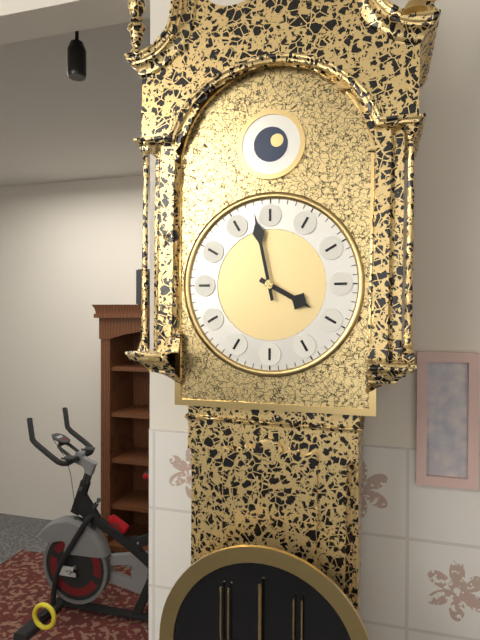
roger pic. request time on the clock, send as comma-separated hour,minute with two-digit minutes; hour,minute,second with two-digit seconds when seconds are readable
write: 3,58
